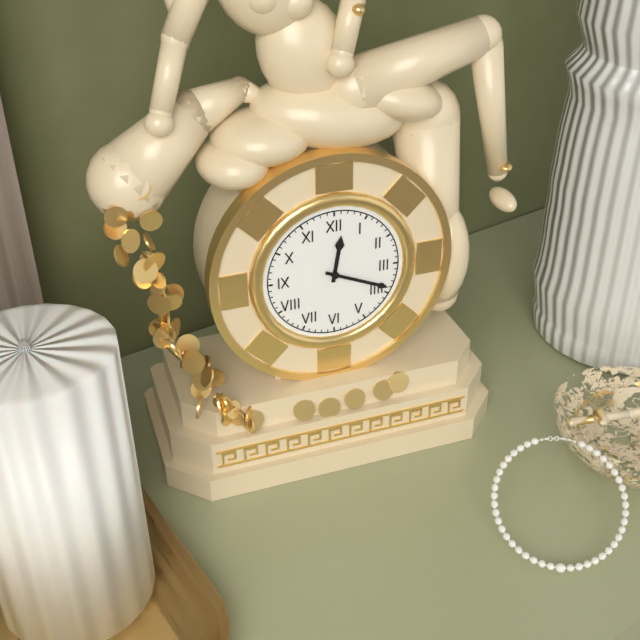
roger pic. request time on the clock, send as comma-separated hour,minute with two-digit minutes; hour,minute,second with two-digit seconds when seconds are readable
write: 12,19
